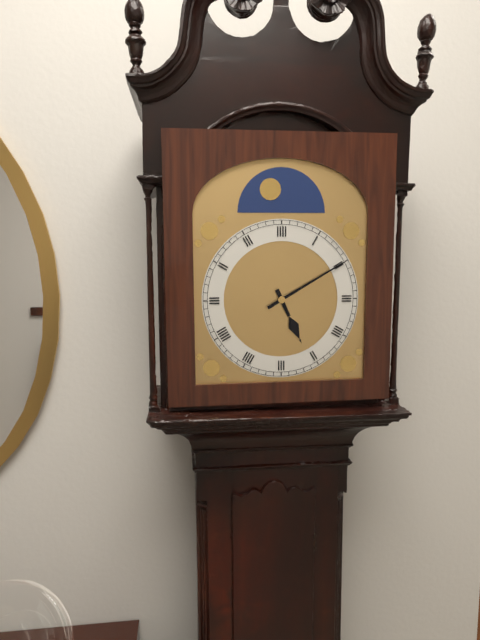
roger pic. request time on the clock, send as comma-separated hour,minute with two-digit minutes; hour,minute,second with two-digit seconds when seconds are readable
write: 5,10
